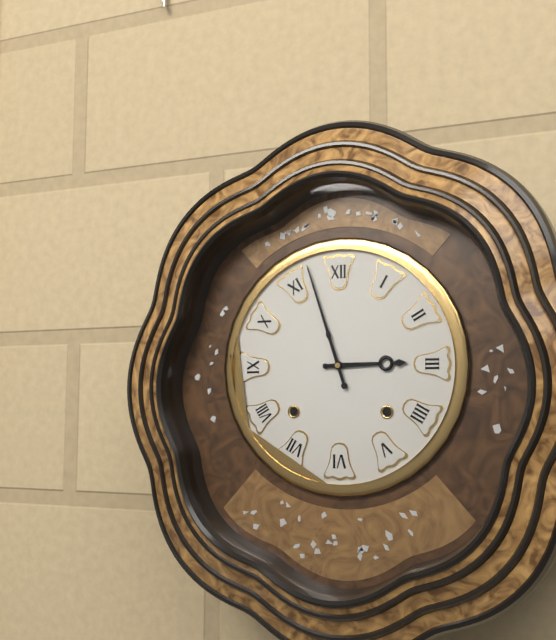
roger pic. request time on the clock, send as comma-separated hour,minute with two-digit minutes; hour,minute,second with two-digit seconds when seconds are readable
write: 2,57
